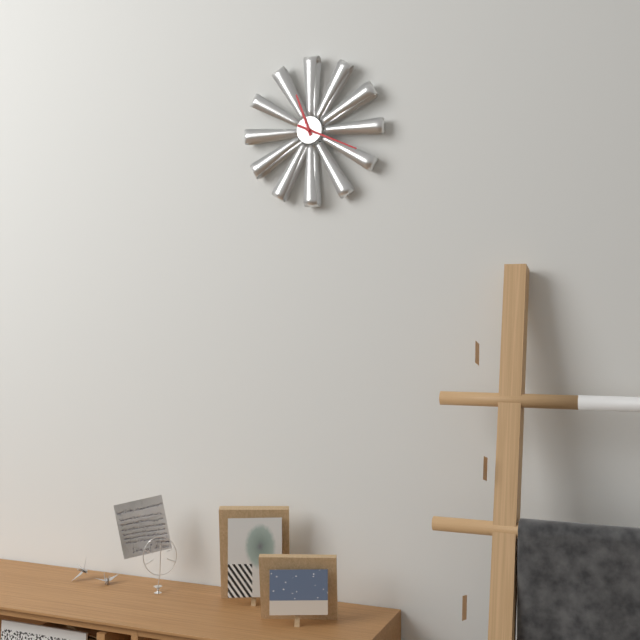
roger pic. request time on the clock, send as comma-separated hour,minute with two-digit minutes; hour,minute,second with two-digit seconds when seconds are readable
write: 11,19
